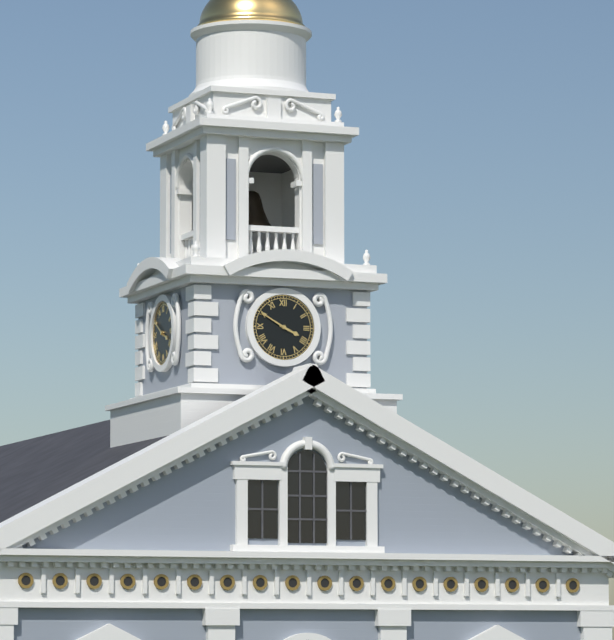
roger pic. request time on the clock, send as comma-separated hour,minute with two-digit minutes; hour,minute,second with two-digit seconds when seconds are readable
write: 3,50
